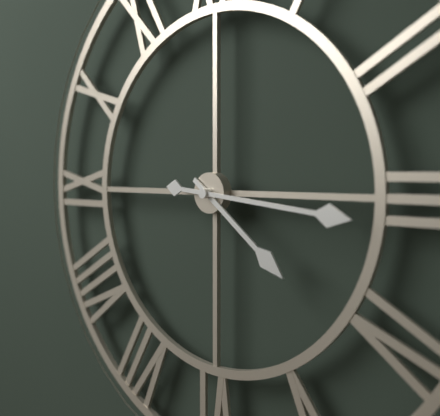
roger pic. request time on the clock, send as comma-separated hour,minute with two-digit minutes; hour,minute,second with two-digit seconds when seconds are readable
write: 4,16
